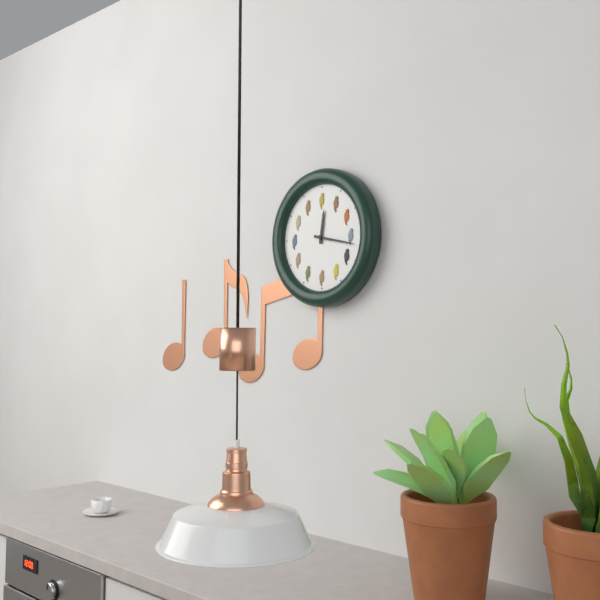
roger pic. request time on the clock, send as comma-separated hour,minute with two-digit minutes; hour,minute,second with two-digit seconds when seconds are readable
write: 12,17
